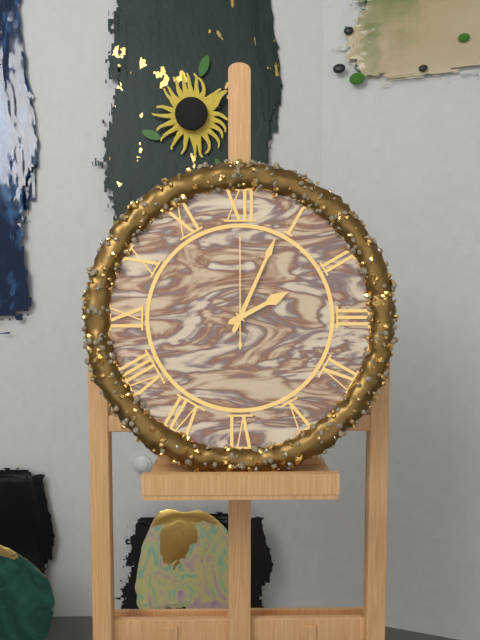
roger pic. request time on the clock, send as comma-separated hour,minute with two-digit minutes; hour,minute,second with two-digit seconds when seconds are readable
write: 2,04,00
